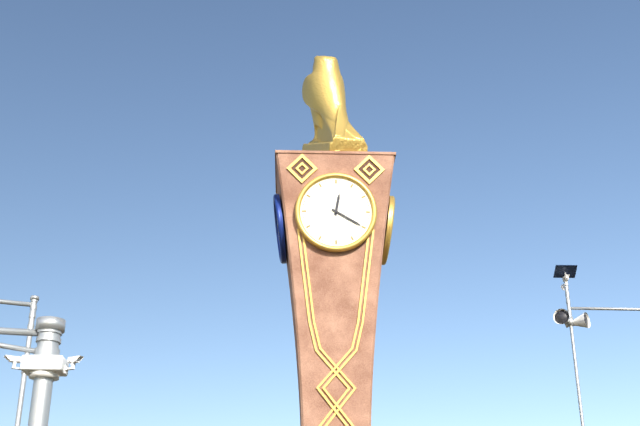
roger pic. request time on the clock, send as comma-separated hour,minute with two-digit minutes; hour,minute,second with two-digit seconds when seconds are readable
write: 12,20
